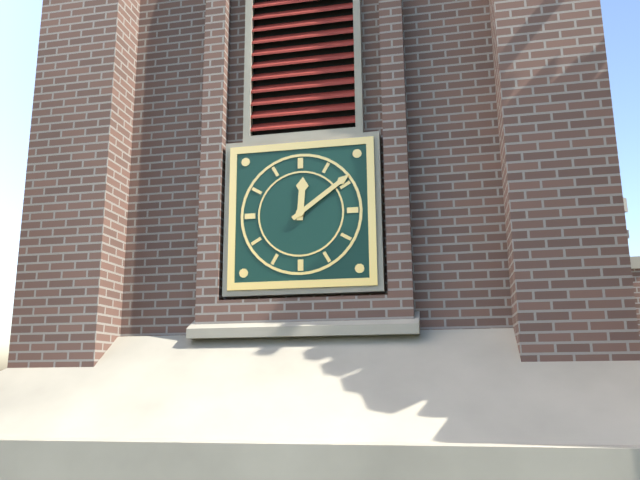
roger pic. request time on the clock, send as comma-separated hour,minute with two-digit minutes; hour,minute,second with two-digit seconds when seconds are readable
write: 12,09
